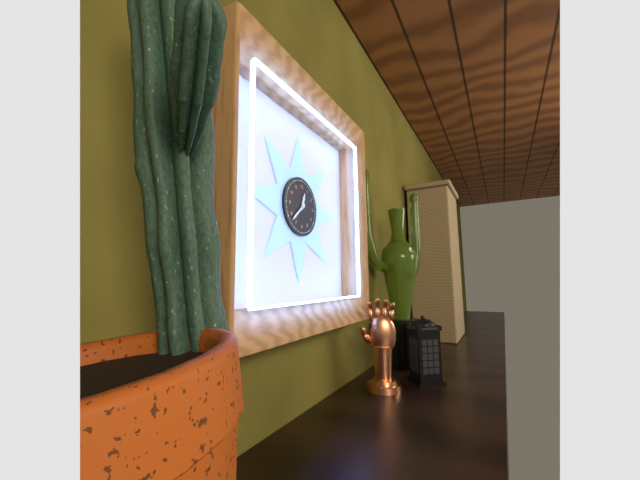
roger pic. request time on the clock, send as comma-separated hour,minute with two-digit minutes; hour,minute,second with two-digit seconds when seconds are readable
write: 12,38
